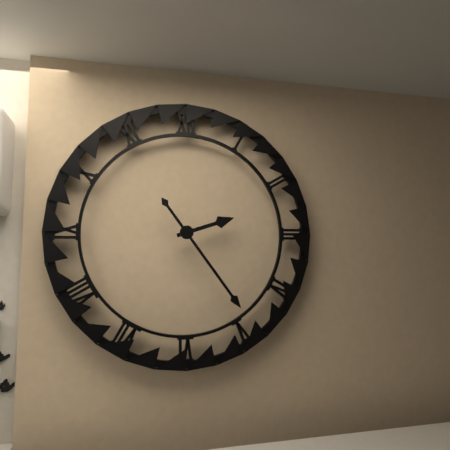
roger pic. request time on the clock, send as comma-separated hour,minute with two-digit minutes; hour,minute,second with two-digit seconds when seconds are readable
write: 2,24
